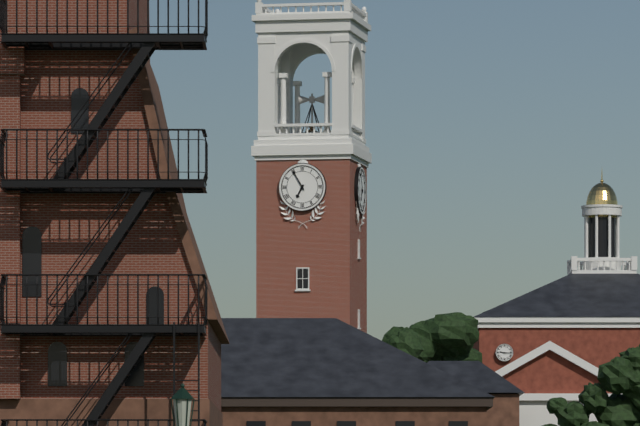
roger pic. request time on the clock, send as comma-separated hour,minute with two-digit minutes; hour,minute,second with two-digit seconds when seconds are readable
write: 6,55
